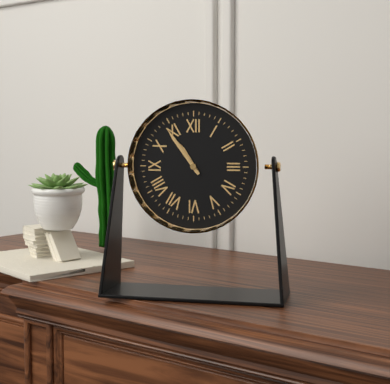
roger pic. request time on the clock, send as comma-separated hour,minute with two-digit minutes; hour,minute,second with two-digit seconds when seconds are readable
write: 10,54
